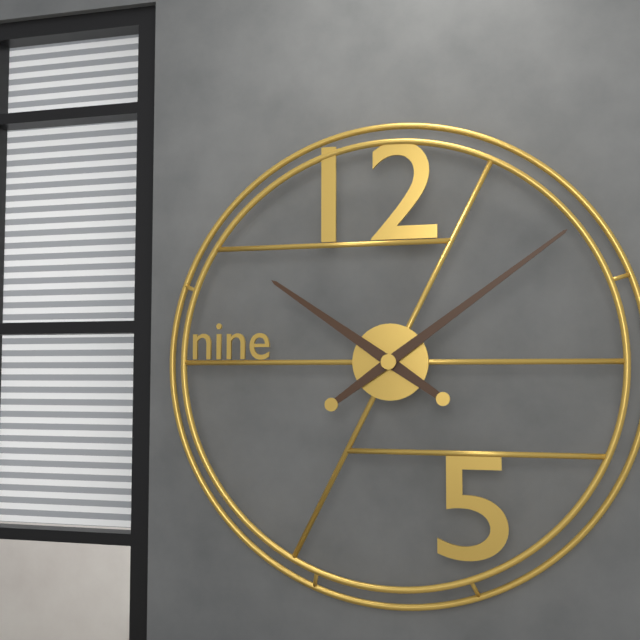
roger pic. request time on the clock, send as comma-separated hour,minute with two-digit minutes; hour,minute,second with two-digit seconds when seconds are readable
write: 10,09
